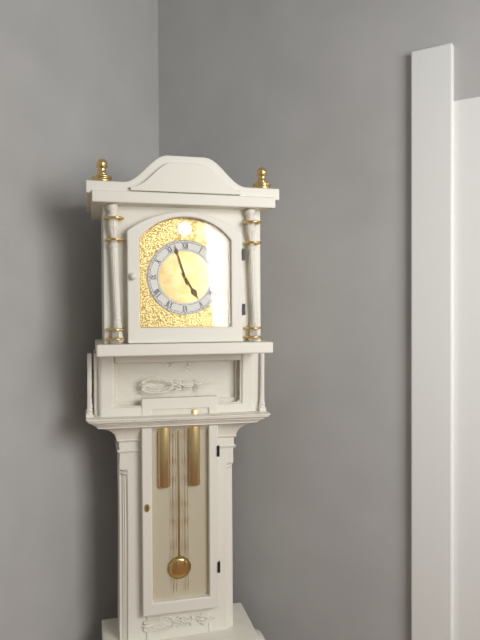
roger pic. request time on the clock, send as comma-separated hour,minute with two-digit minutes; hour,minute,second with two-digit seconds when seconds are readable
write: 4,57
